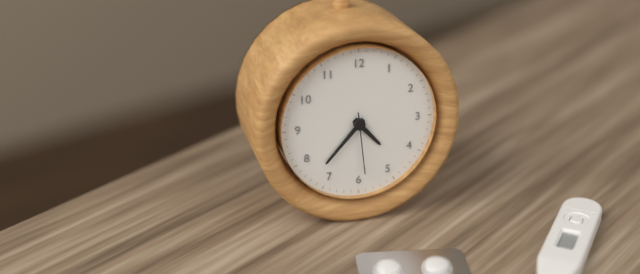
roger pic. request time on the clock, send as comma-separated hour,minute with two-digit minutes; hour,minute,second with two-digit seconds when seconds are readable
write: 4,37,29
